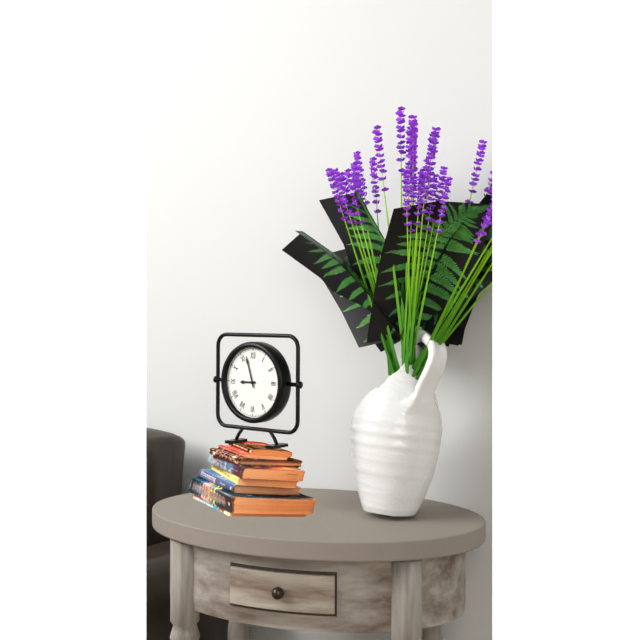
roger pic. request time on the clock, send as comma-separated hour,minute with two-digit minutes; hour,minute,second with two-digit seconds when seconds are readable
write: 8,57
